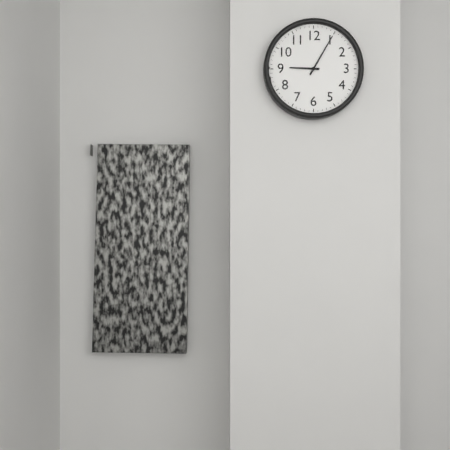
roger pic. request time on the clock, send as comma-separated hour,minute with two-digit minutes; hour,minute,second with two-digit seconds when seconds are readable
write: 9,05
